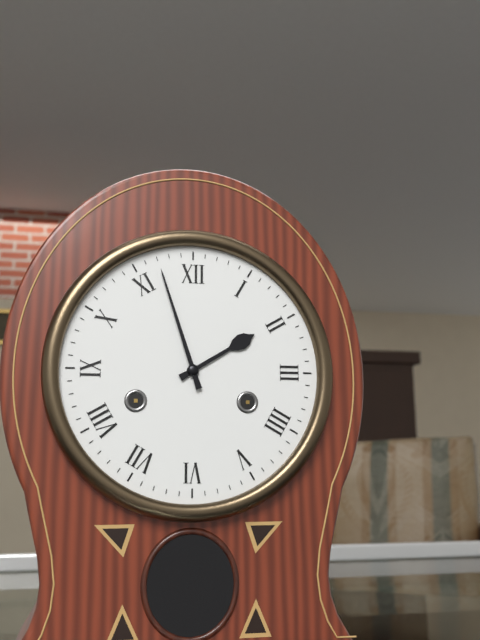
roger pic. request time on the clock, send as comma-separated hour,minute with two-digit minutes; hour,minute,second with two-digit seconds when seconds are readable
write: 1,57
